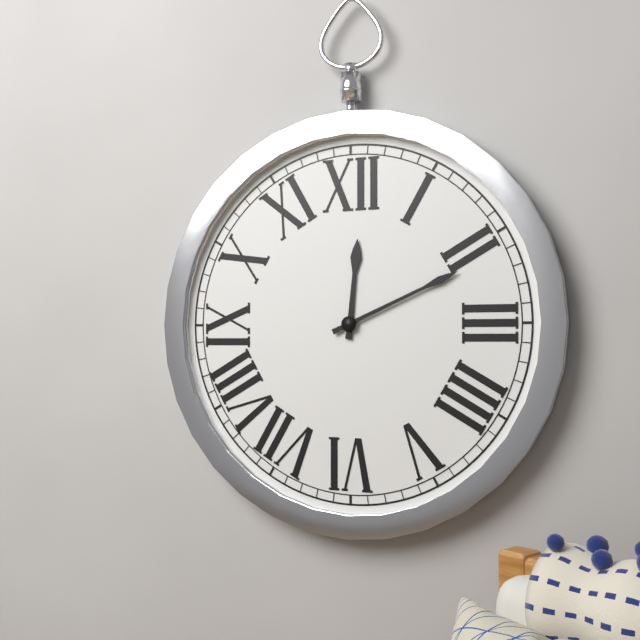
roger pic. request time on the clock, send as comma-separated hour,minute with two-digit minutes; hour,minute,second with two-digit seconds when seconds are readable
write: 12,11
